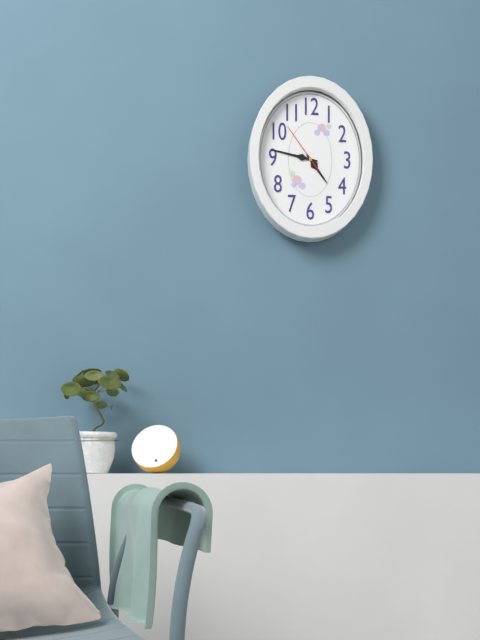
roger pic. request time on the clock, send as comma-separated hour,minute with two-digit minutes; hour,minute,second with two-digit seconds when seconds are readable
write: 4,47,54
